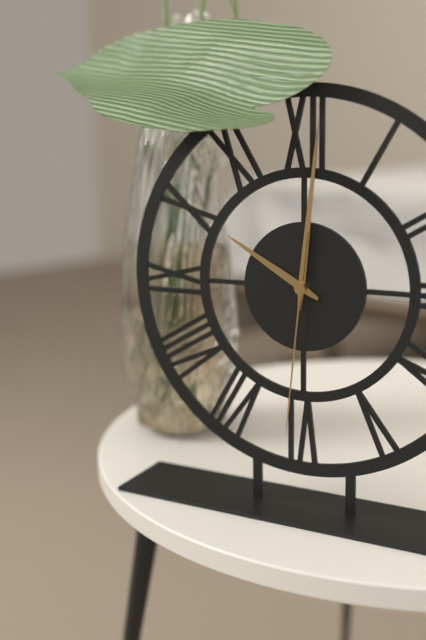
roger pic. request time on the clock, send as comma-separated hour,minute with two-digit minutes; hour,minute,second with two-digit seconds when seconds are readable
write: 10,01,31
